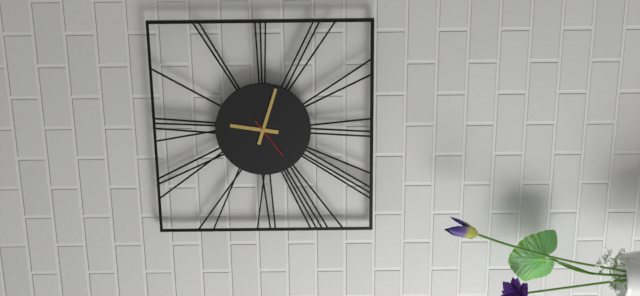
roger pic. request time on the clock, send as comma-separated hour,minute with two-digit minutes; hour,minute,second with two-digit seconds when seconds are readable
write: 12,18
